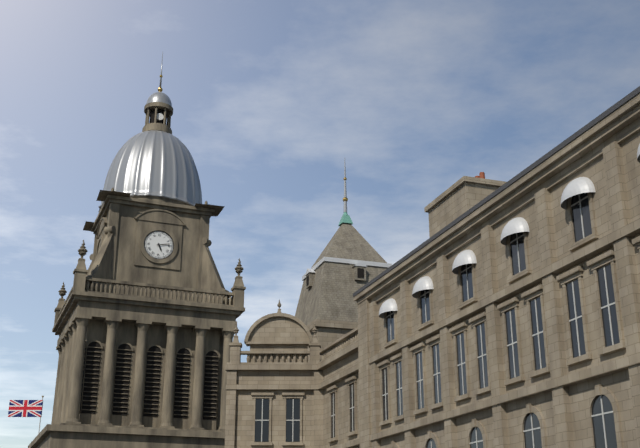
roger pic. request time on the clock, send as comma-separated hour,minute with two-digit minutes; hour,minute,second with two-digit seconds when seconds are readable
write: 5,13
